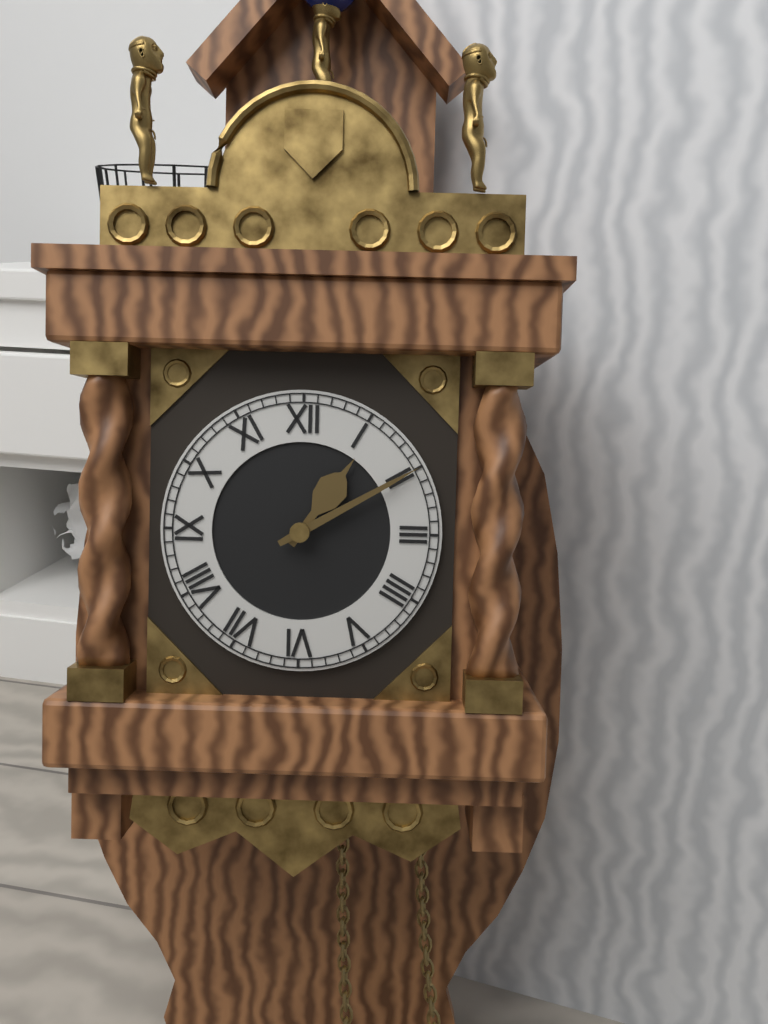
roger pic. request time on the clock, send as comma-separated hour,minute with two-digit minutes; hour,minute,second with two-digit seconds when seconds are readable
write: 1,10
